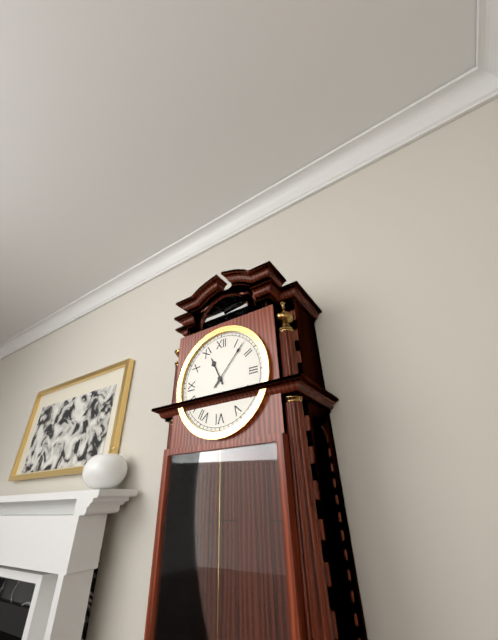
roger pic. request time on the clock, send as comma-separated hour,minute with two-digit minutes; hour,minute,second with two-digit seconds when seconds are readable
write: 11,07
